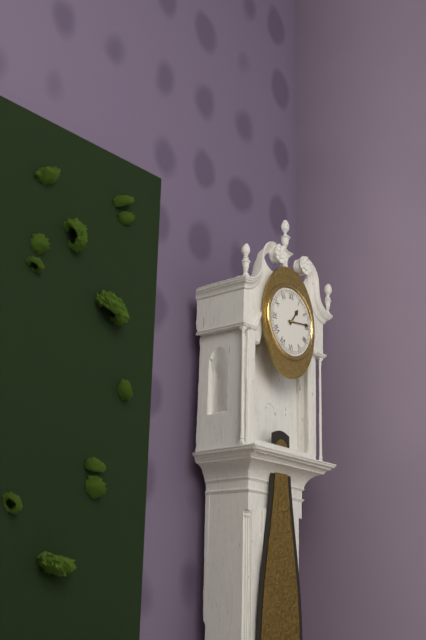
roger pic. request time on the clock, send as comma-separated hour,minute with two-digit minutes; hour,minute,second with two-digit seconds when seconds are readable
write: 1,14
